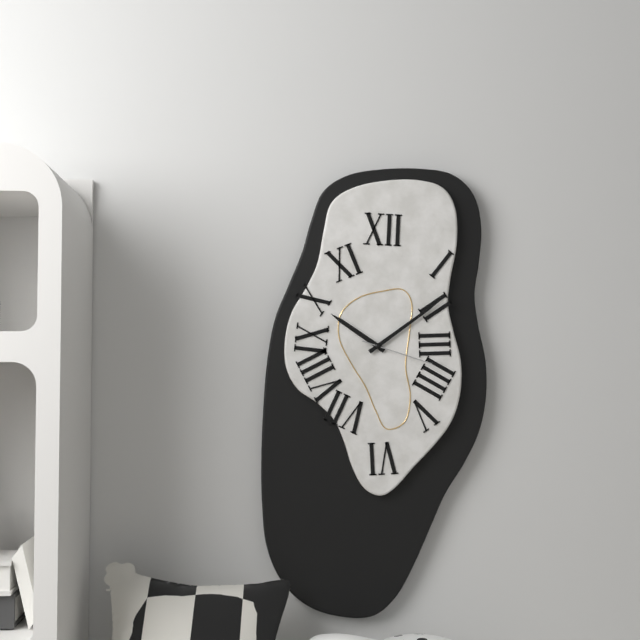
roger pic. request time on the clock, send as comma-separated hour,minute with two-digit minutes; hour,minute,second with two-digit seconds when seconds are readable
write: 10,09,18
